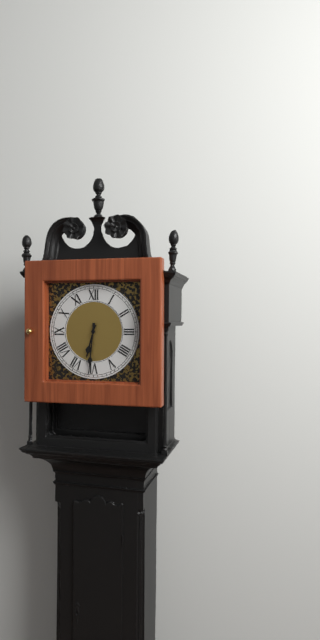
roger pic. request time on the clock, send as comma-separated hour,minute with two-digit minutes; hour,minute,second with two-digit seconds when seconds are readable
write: 6,31
